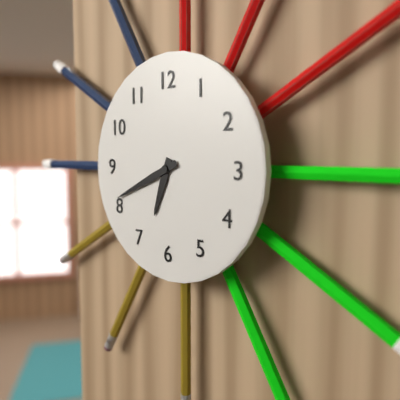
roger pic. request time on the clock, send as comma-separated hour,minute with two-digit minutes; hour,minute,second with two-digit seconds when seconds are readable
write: 6,41
